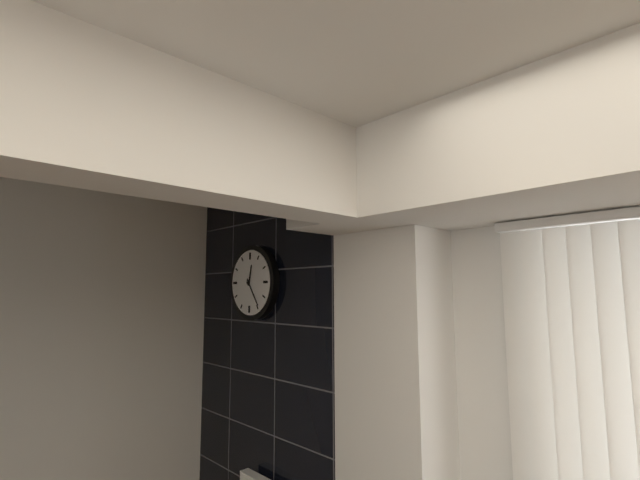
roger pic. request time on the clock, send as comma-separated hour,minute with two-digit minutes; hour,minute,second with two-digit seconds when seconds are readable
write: 12,24
